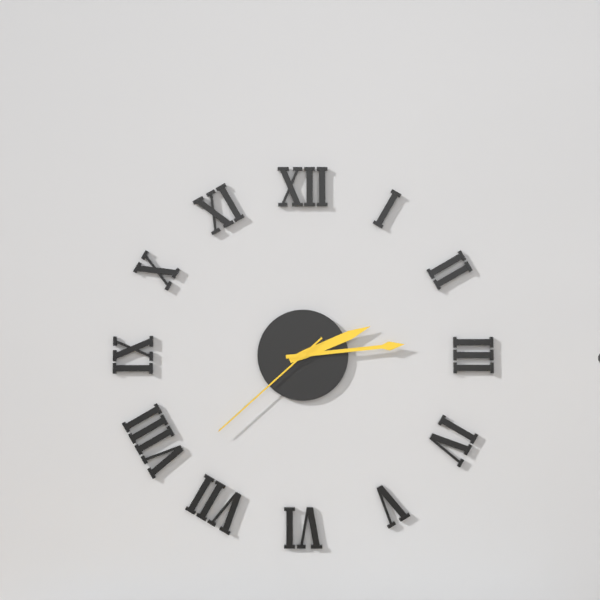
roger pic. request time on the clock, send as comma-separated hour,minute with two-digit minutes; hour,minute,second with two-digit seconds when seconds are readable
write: 2,14,38
